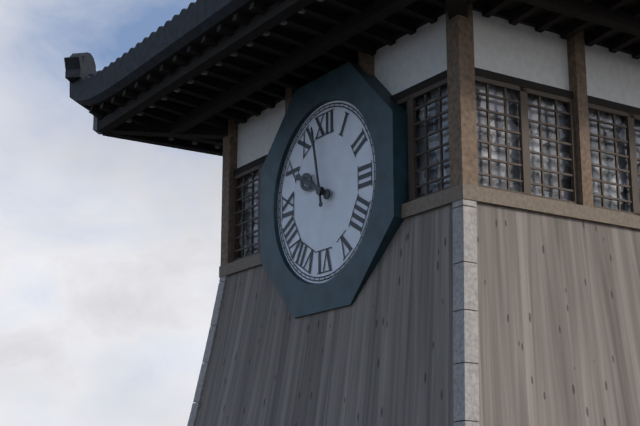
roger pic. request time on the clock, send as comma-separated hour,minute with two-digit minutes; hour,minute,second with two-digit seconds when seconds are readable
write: 9,58
